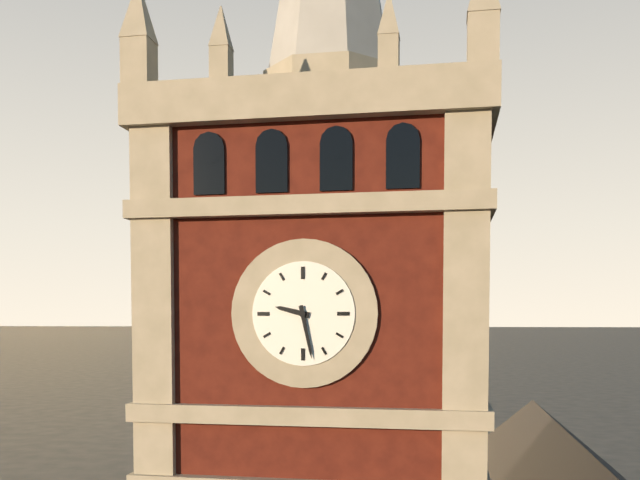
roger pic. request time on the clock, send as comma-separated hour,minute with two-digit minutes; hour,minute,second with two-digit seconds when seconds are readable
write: 9,28
